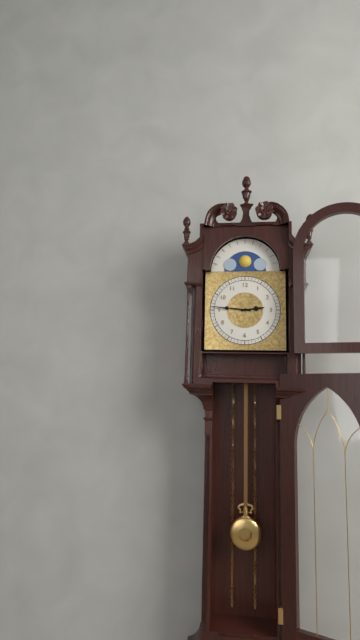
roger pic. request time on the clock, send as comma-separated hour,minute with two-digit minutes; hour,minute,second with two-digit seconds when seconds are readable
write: 2,46
